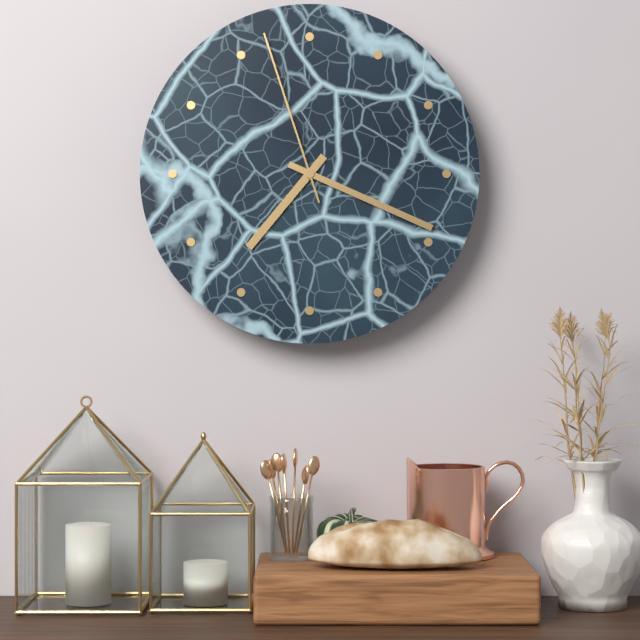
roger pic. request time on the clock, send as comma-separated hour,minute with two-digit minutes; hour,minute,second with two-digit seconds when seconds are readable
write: 7,19,57
